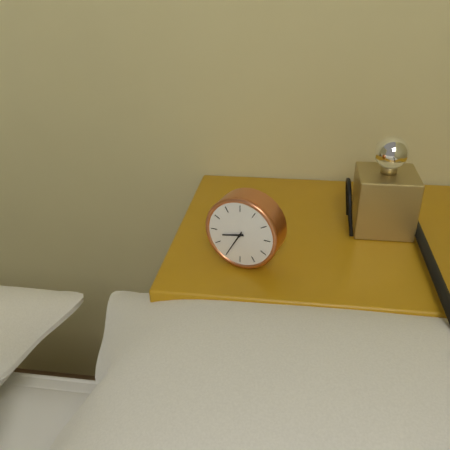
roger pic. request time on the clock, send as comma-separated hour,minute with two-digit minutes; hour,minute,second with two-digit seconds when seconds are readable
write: 8,35
